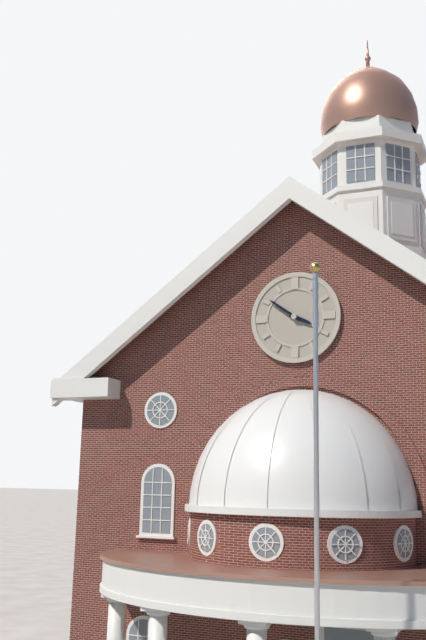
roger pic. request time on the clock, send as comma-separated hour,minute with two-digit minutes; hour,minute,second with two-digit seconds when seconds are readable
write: 3,51
